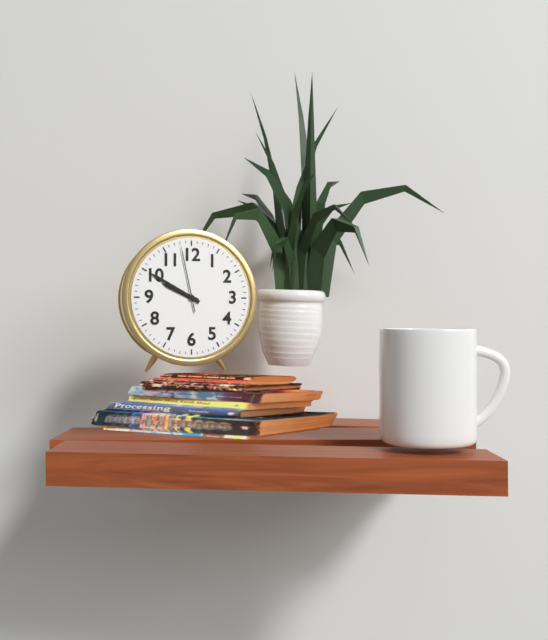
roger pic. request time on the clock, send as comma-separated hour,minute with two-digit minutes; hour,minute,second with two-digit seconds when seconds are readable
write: 9,50,58
